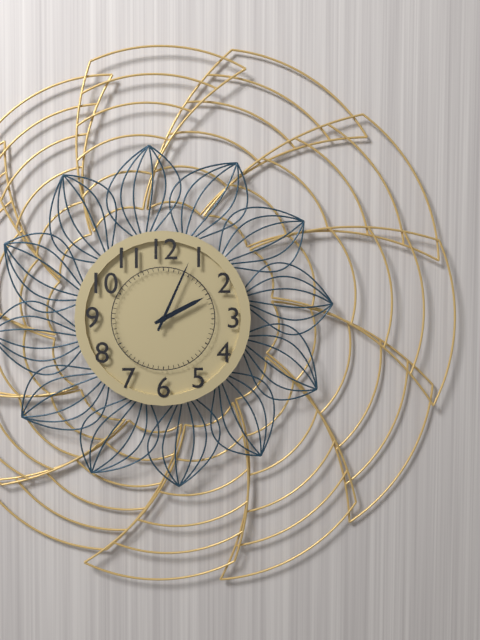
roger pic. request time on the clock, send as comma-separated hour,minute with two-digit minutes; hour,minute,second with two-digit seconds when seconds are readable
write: 2,04
